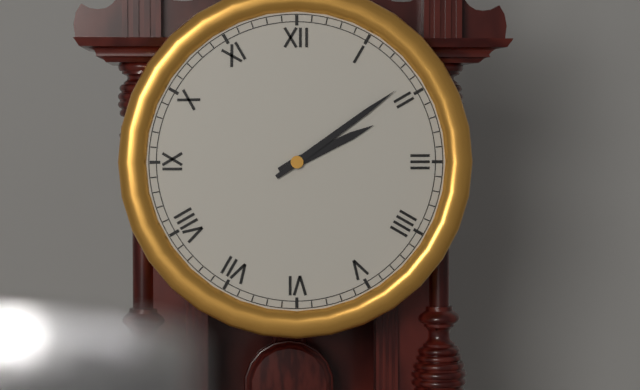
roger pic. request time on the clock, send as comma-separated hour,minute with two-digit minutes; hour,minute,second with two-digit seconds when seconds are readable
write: 2,09
